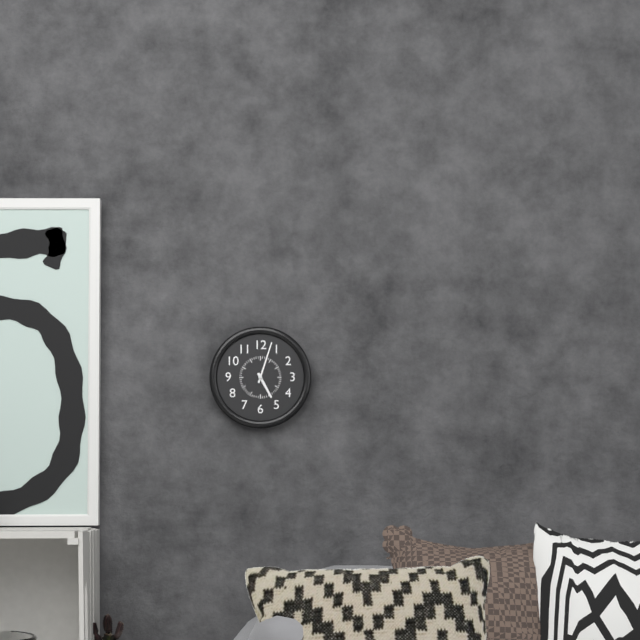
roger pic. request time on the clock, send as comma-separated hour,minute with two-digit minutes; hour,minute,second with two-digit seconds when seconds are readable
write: 5,03
